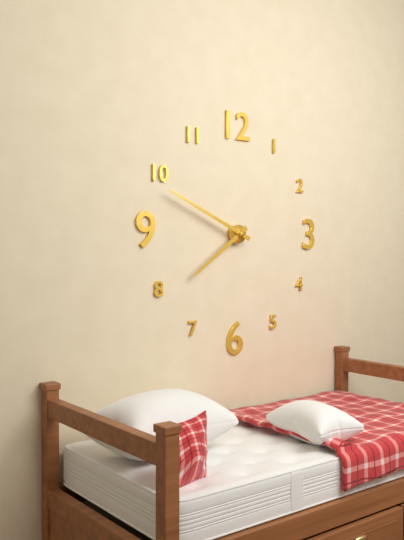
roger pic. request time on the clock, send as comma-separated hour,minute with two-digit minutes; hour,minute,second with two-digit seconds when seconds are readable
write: 7,49
